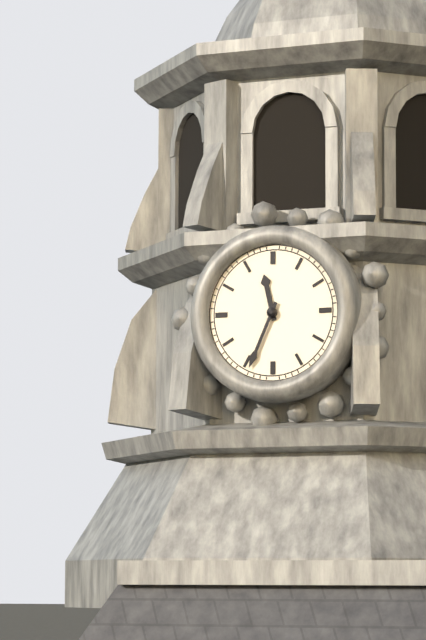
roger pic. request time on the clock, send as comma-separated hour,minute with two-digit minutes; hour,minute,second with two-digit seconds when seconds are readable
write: 11,34
